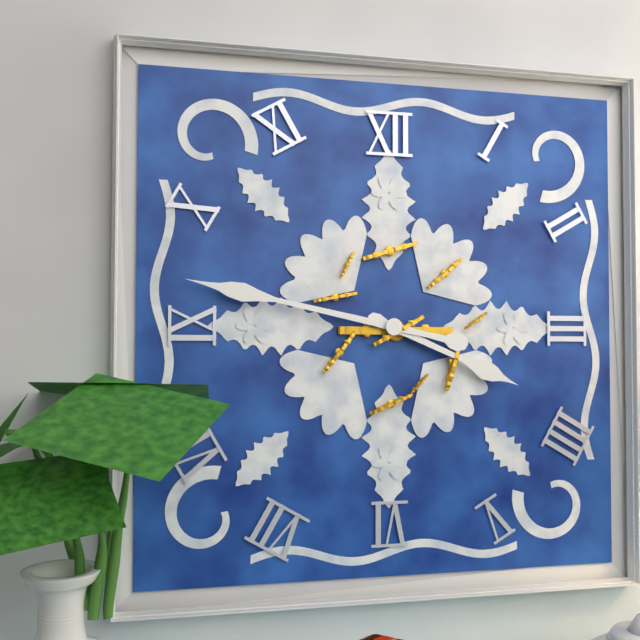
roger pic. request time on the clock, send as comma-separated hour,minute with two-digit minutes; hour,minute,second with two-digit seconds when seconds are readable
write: 3,47
